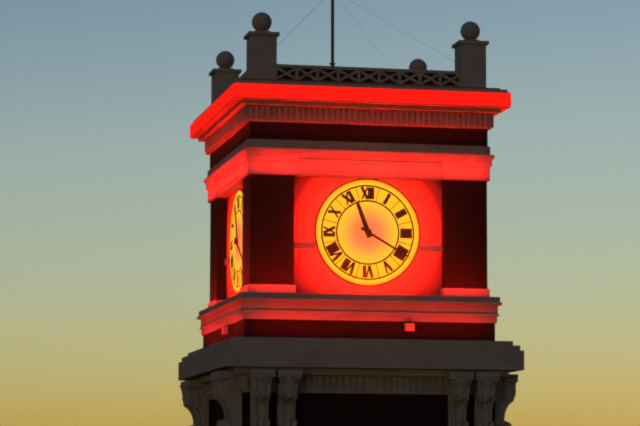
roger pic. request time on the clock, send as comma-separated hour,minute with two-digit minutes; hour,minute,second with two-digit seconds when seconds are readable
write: 11,20
